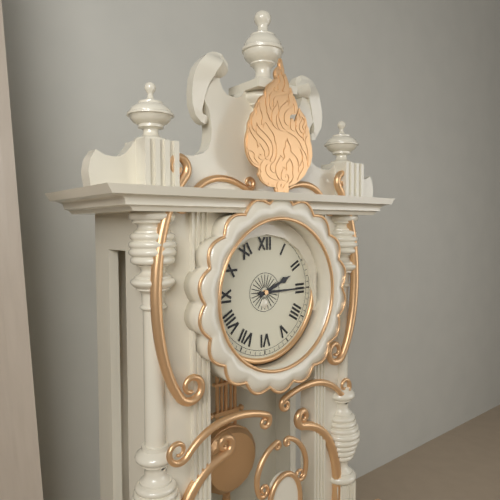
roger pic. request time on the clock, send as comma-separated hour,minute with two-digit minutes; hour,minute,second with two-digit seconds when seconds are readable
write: 2,15
